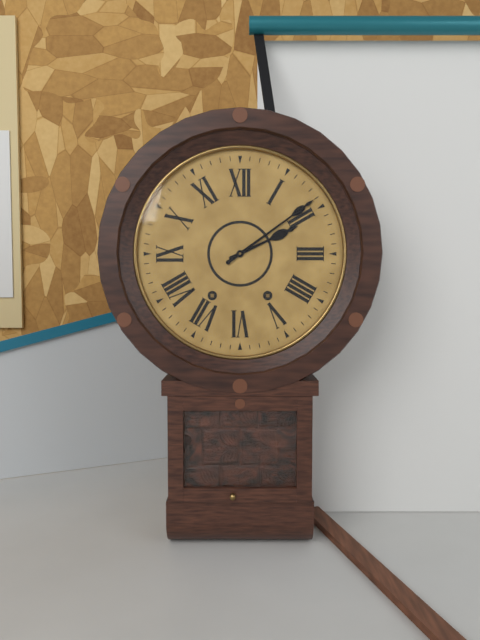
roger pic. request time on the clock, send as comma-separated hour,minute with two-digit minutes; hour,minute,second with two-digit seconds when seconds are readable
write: 2,09
